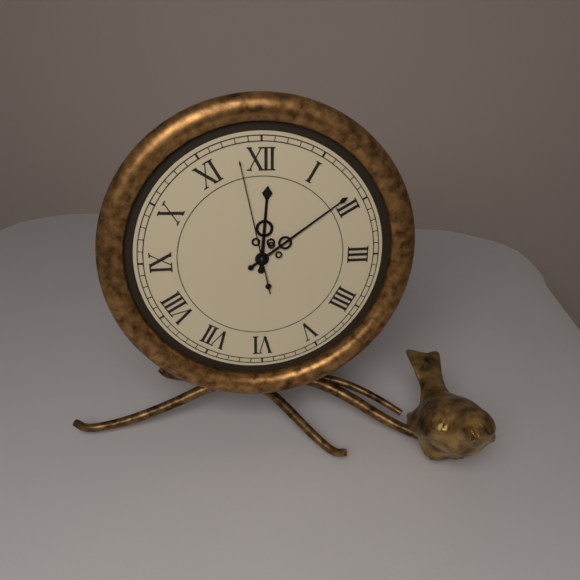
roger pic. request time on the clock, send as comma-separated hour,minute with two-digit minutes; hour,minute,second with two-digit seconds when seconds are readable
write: 12,09,58
